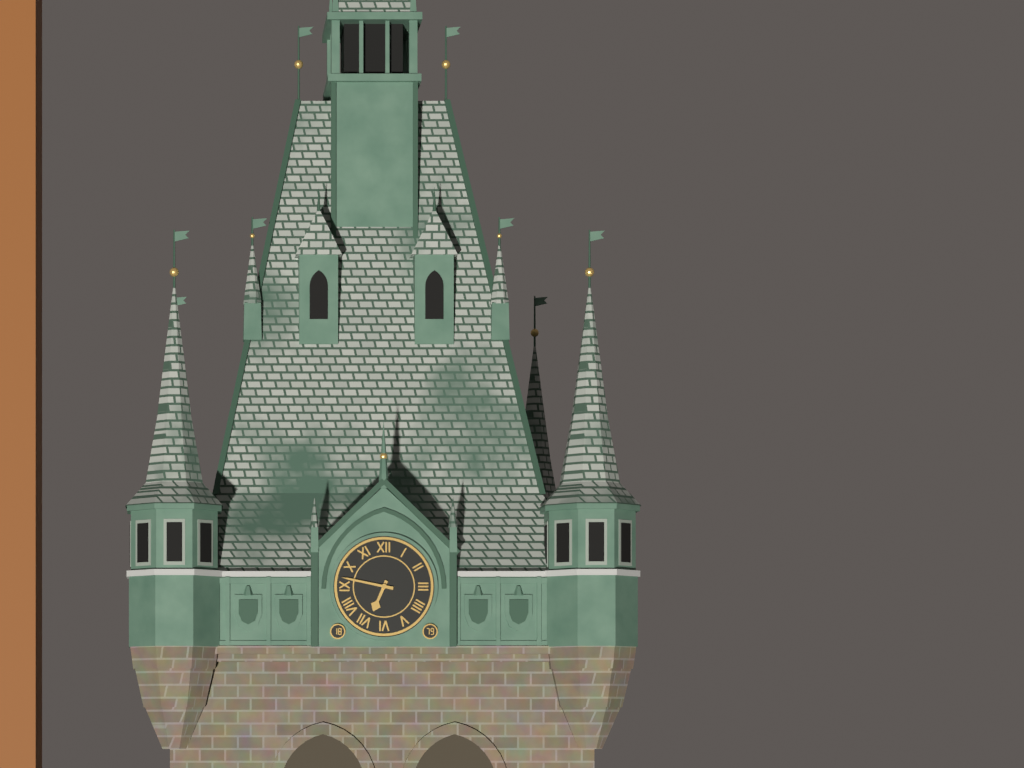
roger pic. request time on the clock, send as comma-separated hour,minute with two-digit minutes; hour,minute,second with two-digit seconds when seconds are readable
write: 6,47
